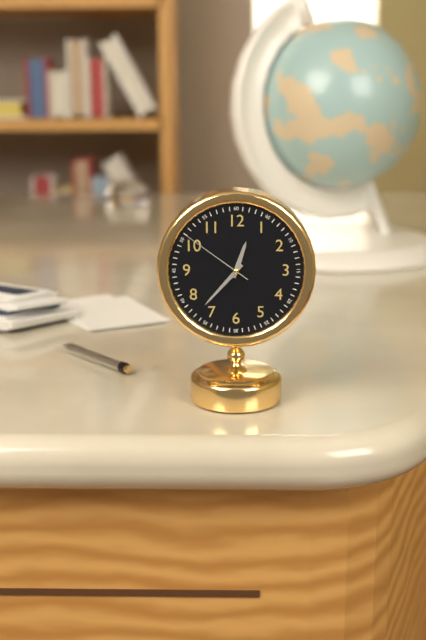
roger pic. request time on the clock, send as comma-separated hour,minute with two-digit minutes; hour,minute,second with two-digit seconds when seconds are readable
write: 12,37,51
